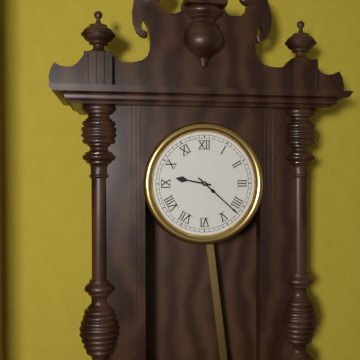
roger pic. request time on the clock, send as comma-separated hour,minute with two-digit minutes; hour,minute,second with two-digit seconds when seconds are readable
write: 9,22
